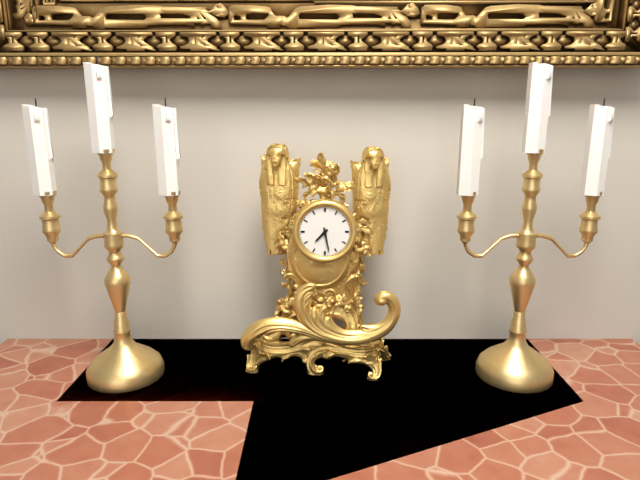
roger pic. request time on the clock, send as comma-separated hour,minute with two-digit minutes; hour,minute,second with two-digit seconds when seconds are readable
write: 7,28
